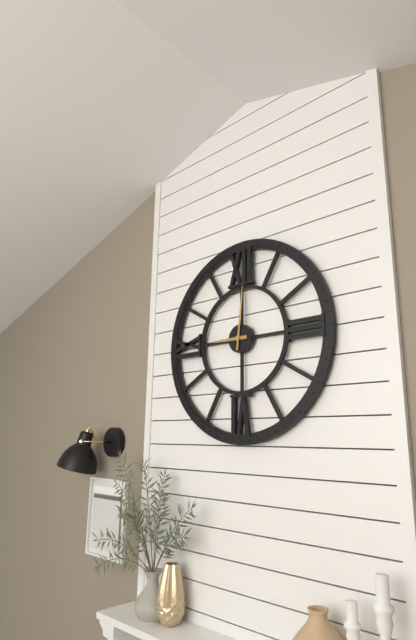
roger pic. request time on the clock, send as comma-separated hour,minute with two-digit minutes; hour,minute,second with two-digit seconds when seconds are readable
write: 9,01
